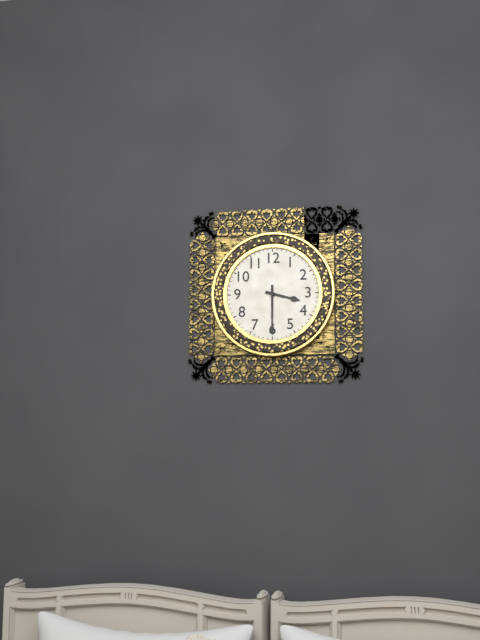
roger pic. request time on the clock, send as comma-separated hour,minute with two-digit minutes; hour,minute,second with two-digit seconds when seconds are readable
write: 3,30
